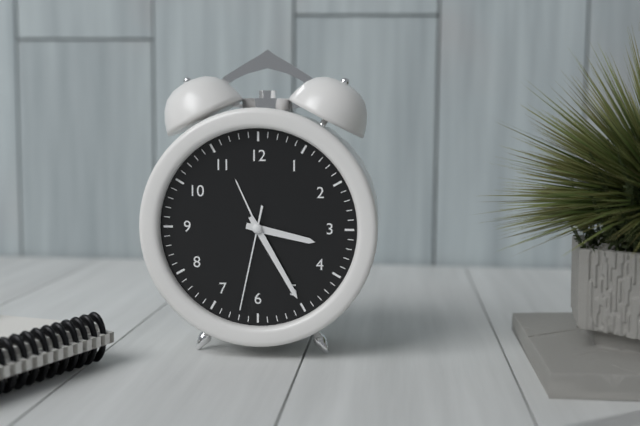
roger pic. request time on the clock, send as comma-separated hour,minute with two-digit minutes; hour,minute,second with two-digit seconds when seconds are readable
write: 3,25,32
